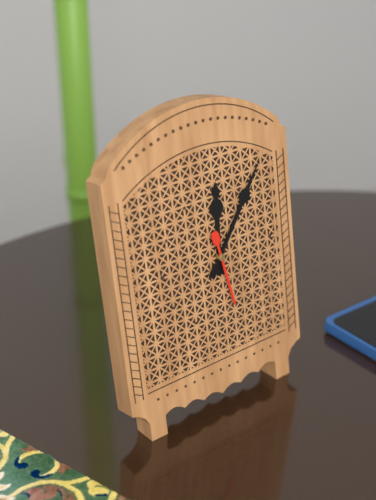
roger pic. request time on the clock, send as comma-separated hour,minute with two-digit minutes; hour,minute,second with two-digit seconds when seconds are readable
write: 12,06,28
